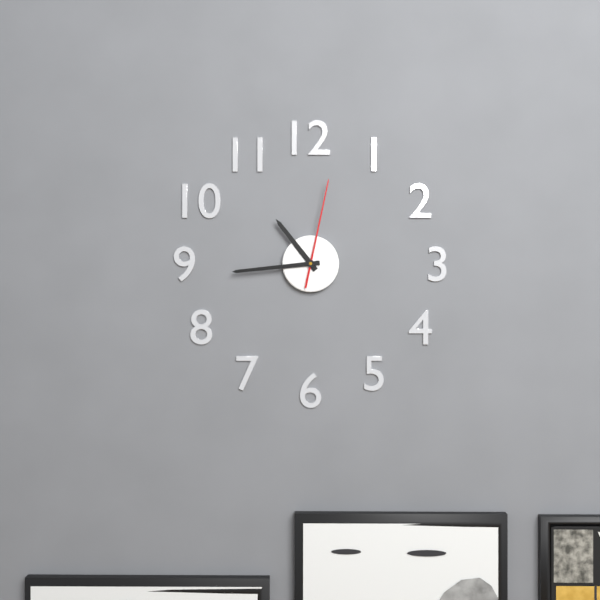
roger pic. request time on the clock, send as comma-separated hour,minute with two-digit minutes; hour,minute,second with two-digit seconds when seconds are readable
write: 10,44,02
